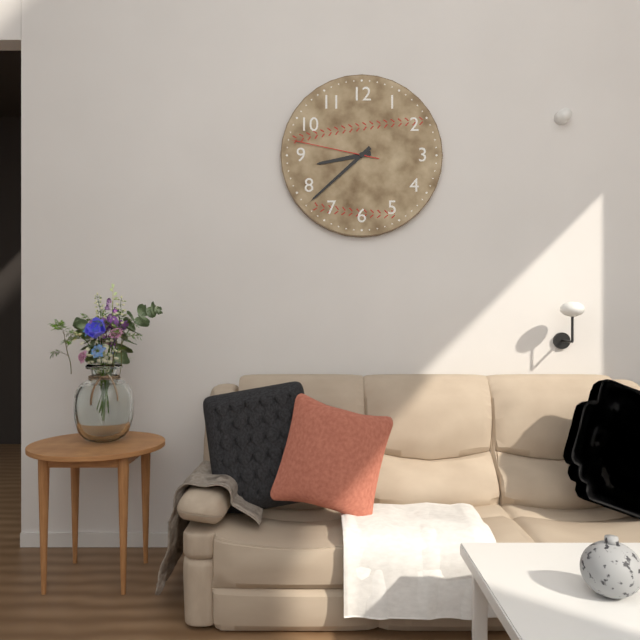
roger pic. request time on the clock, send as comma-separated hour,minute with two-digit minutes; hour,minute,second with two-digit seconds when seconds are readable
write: 8,38,47
